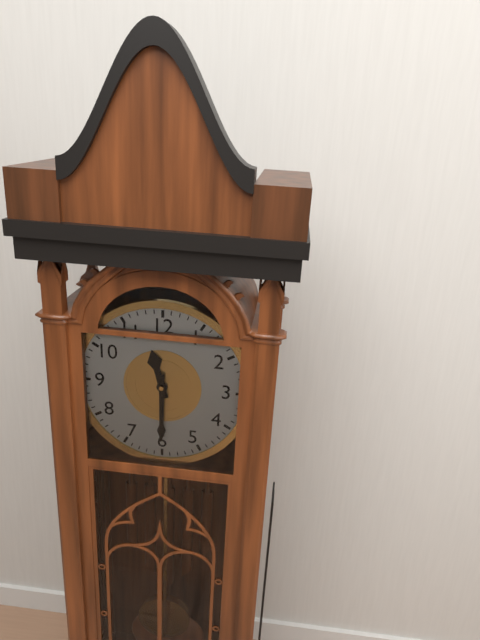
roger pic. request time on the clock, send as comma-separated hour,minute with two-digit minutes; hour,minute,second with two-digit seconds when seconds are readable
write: 11,30
